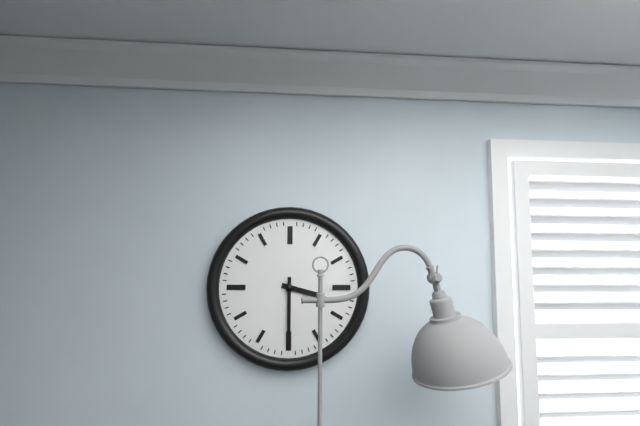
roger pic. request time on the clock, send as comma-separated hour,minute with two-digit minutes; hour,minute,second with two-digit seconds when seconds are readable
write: 3,30
